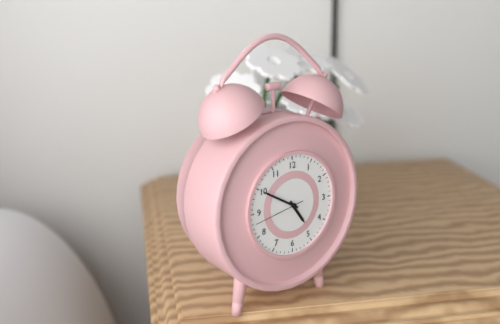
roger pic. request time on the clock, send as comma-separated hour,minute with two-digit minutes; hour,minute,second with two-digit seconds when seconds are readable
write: 4,50,43
